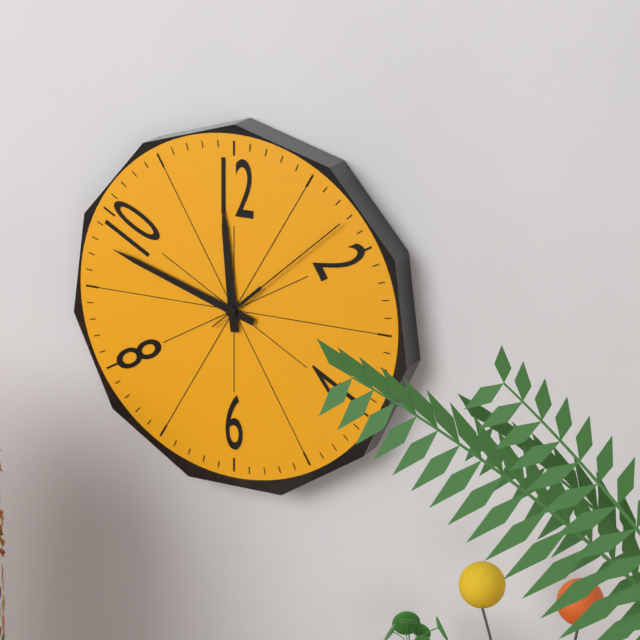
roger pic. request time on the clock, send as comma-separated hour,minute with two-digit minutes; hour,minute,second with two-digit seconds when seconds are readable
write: 11,48,08
